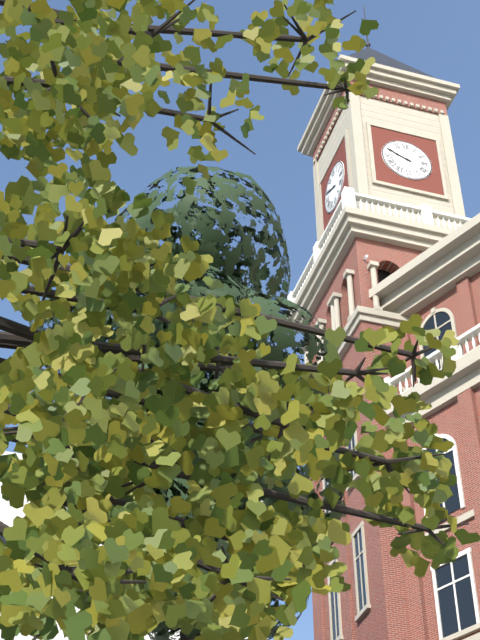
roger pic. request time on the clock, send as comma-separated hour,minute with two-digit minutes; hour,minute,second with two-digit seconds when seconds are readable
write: 9,49
